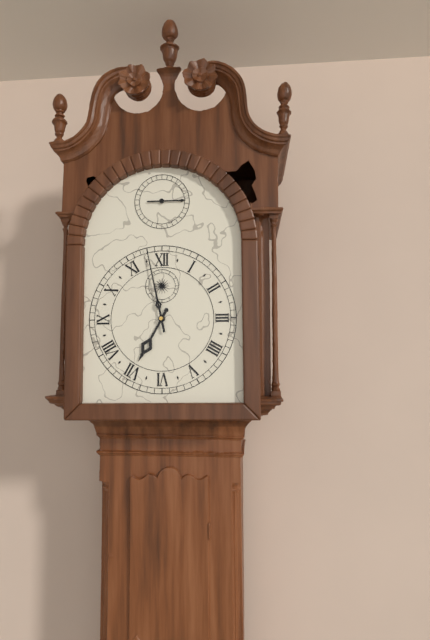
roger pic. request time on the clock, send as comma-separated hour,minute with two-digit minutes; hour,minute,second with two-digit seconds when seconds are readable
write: 6,58
